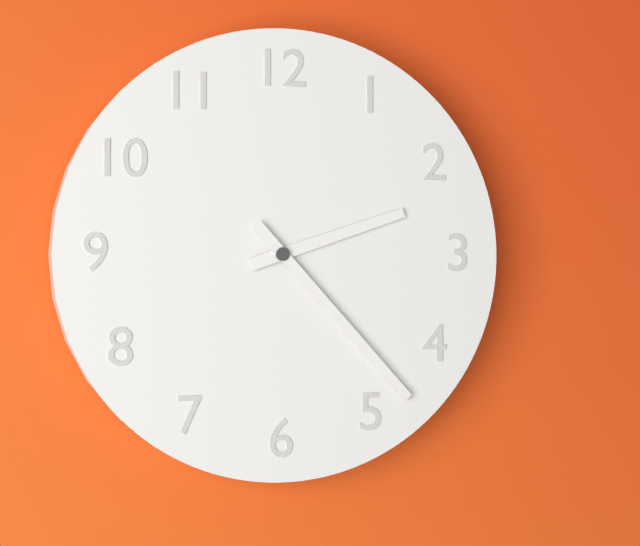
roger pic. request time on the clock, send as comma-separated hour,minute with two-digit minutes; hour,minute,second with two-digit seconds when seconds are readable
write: 2,23
